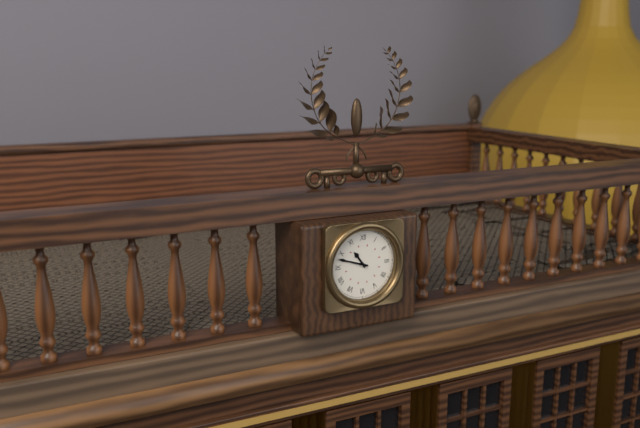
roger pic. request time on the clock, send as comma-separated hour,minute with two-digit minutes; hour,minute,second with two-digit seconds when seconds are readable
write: 10,48
